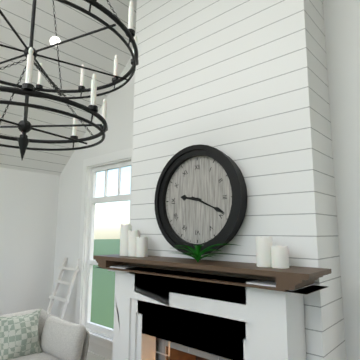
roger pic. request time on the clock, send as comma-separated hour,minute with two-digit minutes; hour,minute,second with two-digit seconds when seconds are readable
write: 9,19
